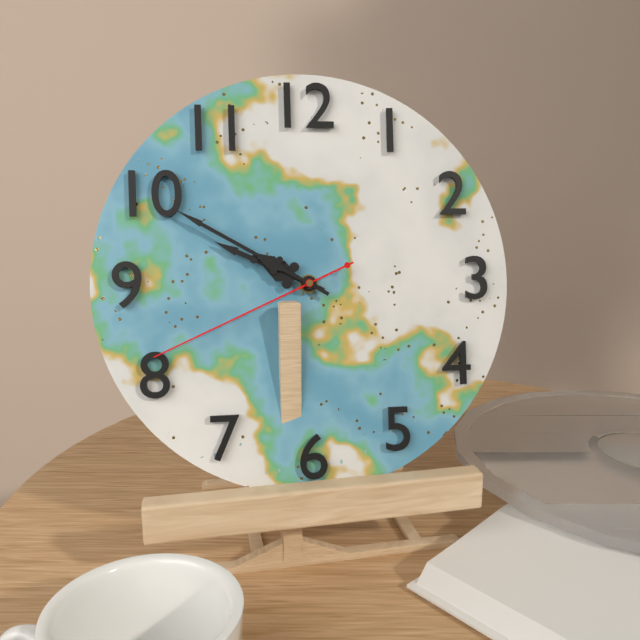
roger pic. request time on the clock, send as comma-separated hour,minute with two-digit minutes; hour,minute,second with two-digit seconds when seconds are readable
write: 9,50,41
